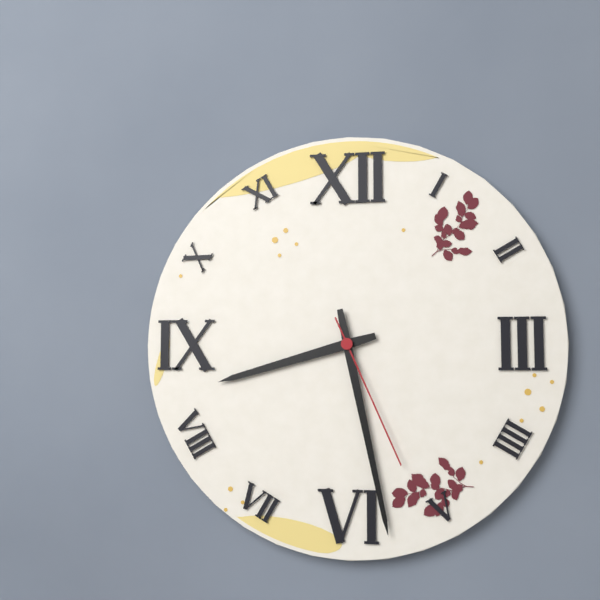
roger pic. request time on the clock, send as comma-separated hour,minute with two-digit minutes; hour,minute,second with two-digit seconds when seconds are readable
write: 8,28,26
